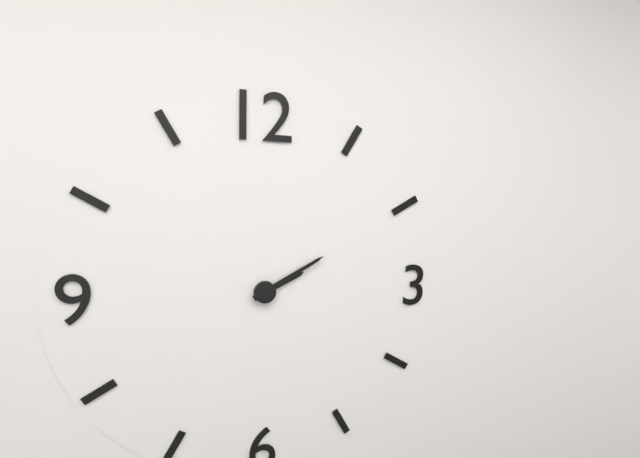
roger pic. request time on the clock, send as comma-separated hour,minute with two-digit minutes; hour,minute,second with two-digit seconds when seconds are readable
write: 2,10
